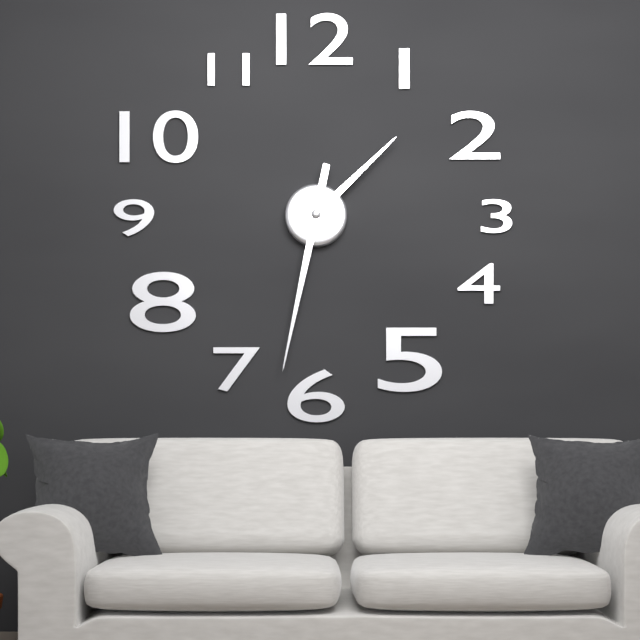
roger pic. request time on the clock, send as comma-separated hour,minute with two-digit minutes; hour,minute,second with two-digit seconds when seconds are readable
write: 1,32
